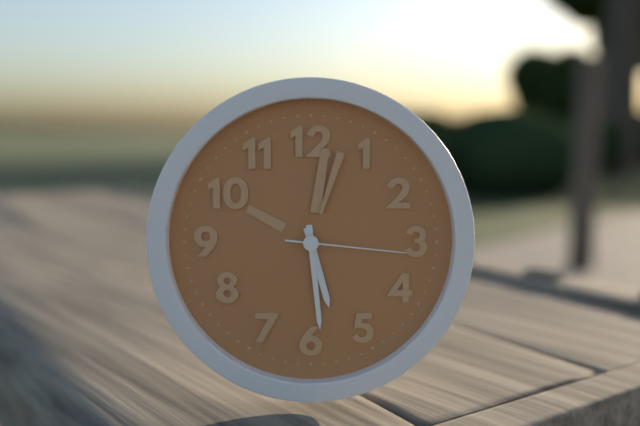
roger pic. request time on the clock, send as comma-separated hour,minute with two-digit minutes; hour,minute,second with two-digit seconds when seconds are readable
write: 5,29,16
